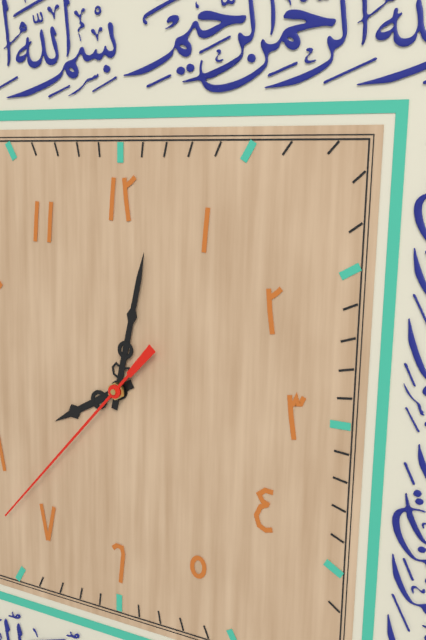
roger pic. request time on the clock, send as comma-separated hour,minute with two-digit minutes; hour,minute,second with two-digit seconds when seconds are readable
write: 8,02,37
